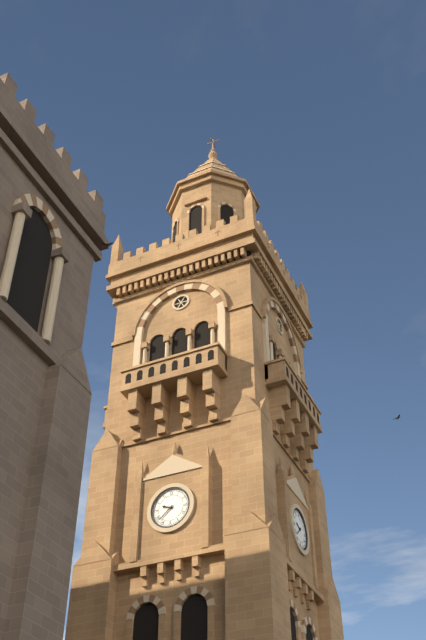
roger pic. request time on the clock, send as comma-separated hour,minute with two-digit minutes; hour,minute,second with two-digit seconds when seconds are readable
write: 9,38
